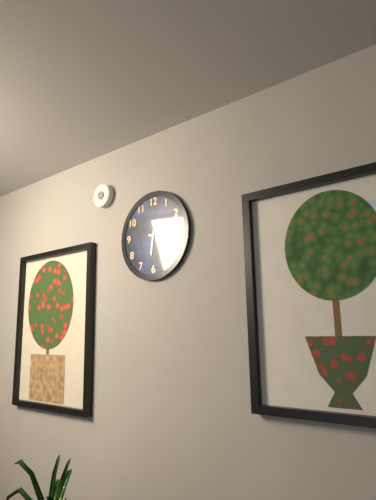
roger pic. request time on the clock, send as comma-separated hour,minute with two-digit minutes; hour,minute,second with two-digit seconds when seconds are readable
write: 6,16
